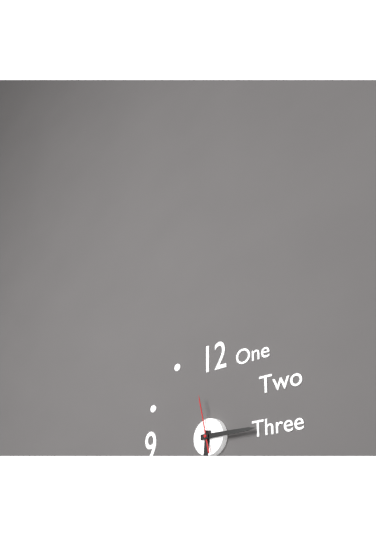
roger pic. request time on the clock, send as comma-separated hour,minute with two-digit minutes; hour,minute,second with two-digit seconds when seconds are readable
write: 6,15,58
